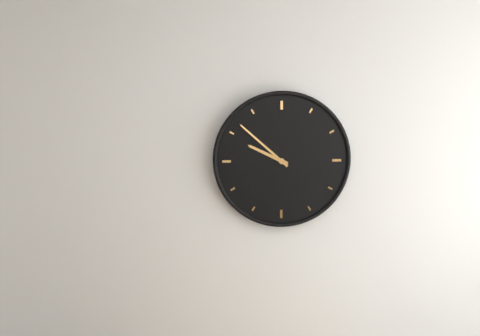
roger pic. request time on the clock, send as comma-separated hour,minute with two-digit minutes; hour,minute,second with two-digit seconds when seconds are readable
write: 9,52
